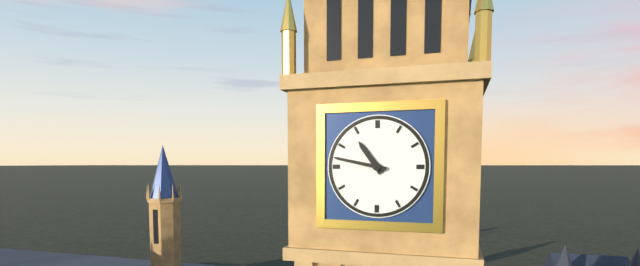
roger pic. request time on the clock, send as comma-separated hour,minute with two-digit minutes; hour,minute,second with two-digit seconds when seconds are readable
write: 10,47
